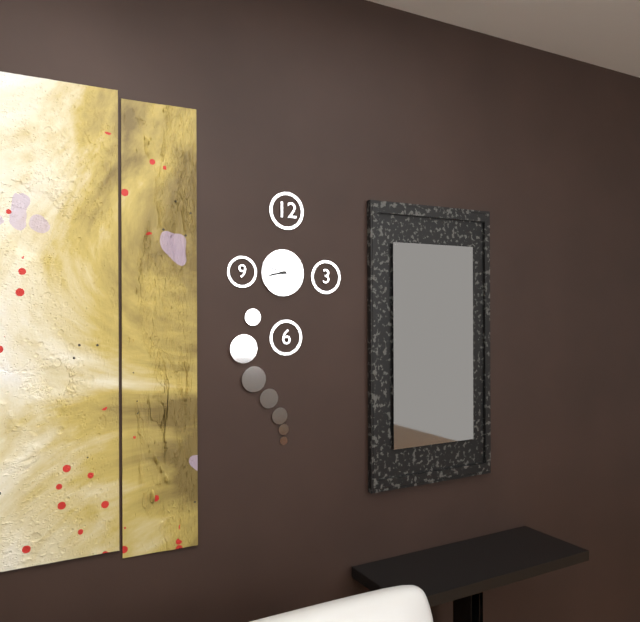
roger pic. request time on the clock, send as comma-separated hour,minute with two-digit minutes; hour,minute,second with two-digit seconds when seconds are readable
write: 8,43
